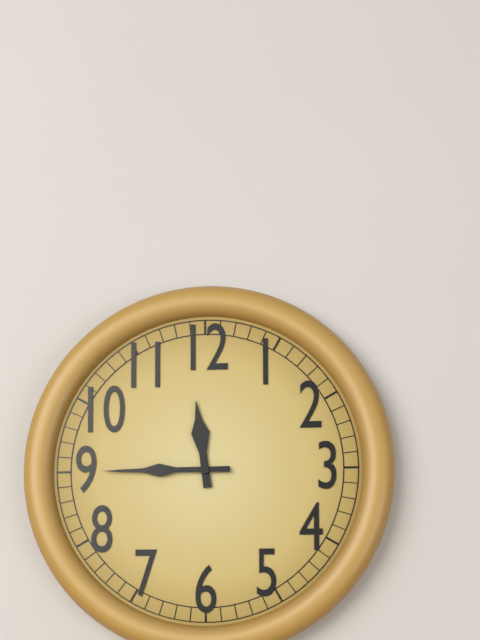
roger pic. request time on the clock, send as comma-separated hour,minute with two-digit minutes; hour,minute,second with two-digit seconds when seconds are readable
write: 11,45
